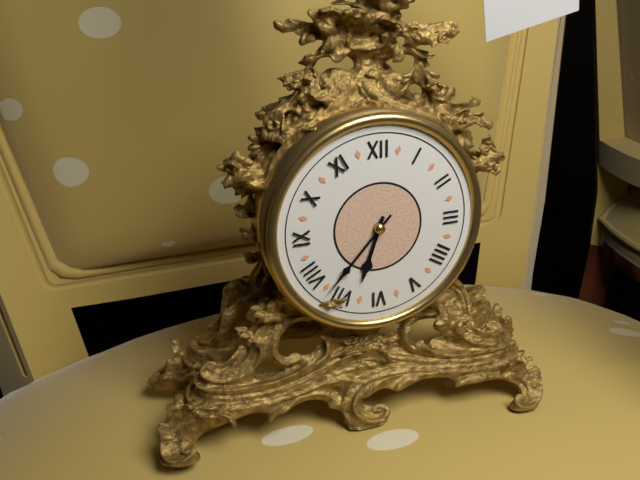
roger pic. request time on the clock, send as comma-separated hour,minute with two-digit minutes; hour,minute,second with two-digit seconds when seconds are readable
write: 6,37
